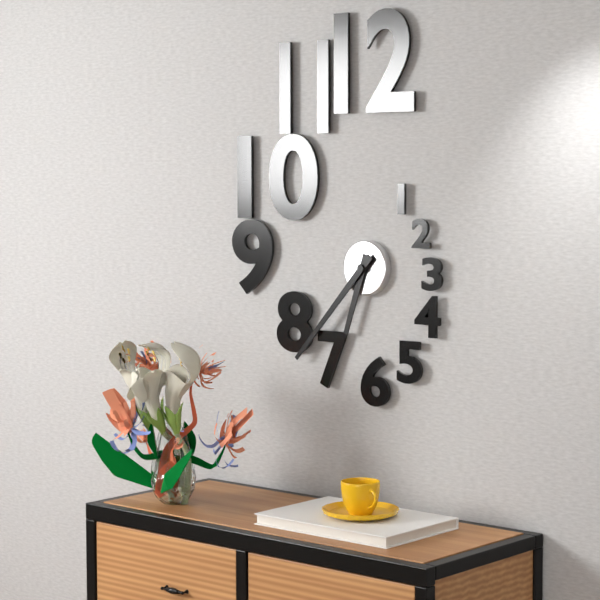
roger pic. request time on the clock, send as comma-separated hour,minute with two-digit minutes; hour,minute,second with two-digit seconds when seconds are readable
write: 6,37
